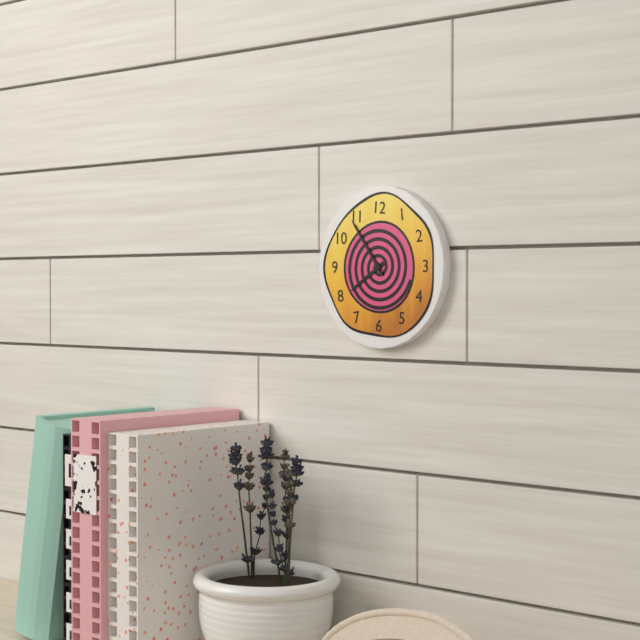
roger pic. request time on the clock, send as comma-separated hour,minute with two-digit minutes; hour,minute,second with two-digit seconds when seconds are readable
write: 7,54
